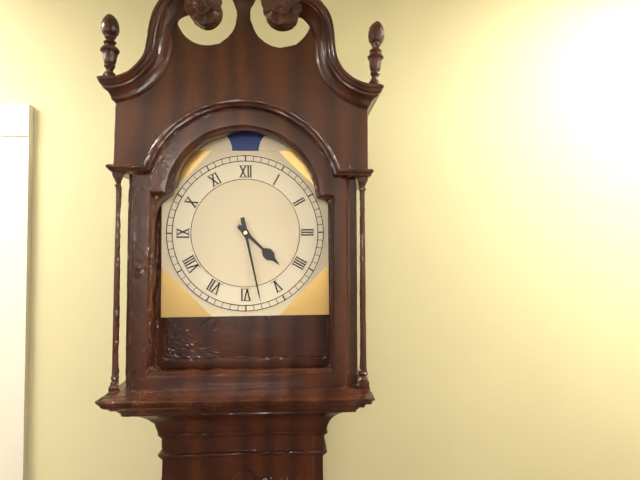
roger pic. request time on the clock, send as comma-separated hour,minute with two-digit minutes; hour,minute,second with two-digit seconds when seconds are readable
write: 4,28
